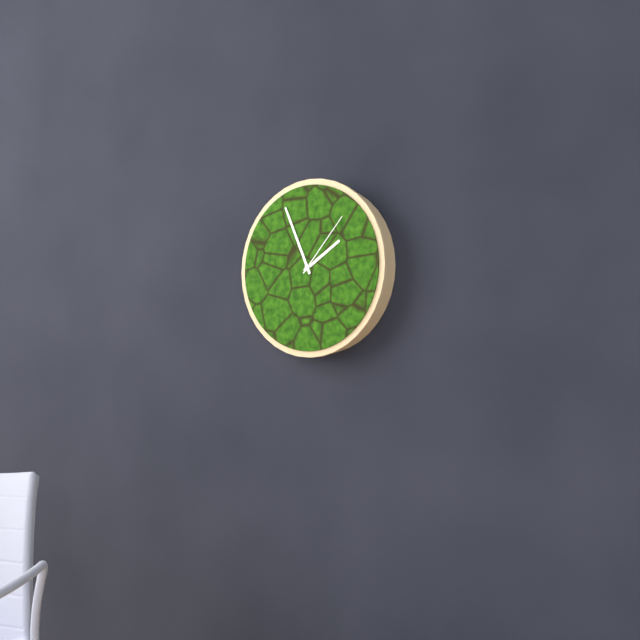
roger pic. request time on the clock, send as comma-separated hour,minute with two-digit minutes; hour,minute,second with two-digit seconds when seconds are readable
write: 1,56,07
